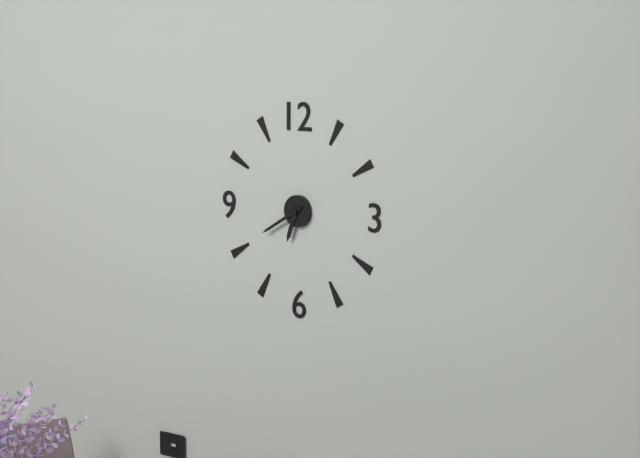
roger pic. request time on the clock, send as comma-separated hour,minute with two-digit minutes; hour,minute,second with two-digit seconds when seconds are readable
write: 6,40
